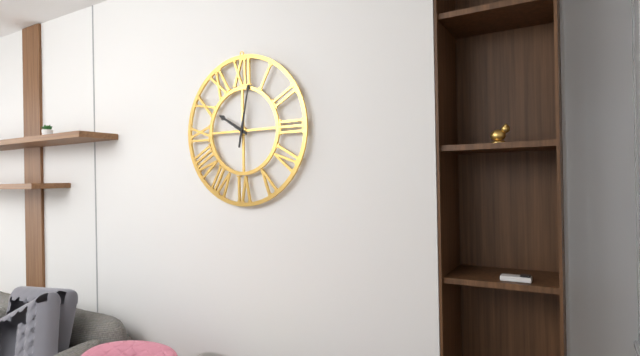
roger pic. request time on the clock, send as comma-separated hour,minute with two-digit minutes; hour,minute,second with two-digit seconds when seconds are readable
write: 10,02
